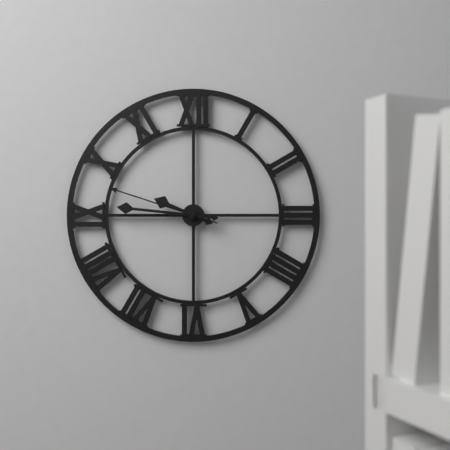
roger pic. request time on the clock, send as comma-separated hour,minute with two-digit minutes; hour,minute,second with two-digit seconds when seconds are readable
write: 9,46,48
